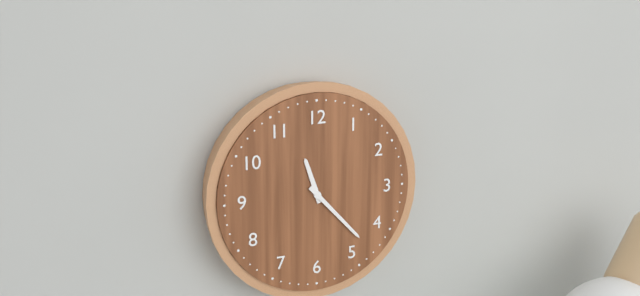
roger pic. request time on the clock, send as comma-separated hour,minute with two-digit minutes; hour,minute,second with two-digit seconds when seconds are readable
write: 11,23
